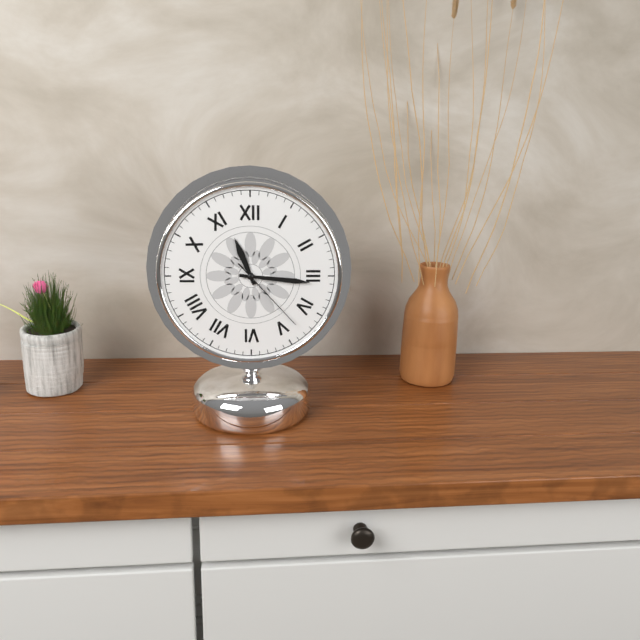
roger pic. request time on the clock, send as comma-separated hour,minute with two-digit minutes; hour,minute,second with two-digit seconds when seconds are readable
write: 11,16,23
